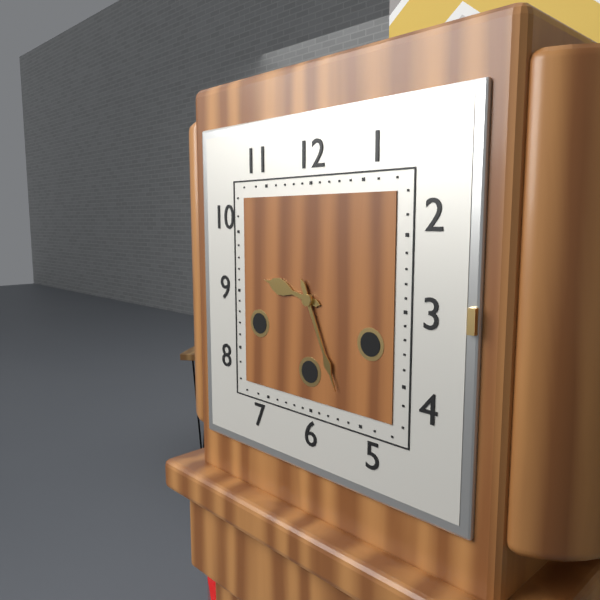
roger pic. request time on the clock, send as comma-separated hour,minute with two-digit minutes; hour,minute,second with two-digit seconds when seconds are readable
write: 9,26
